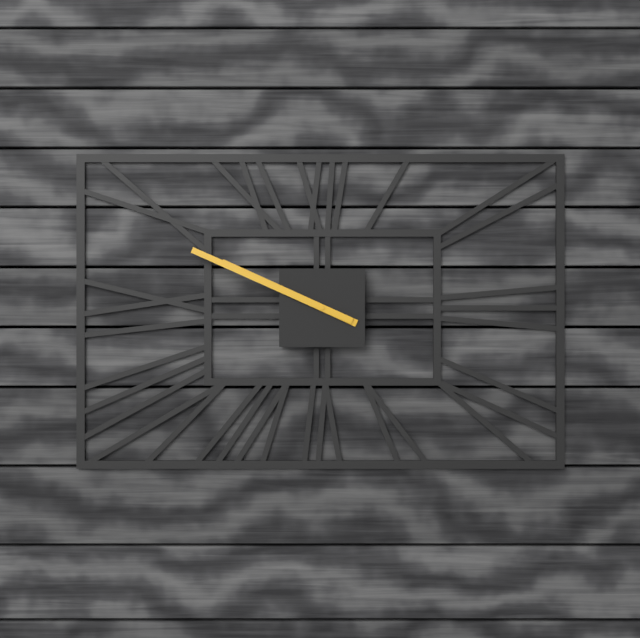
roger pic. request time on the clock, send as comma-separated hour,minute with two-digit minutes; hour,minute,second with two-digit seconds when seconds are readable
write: 9,49
